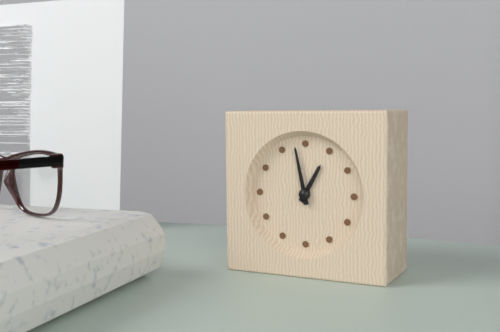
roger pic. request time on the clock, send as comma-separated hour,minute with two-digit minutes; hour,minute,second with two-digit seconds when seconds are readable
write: 12,58
